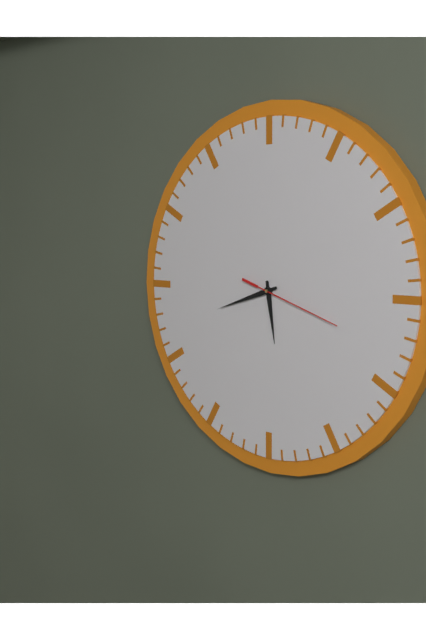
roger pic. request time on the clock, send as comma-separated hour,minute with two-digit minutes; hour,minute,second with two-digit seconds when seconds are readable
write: 5,42,18
